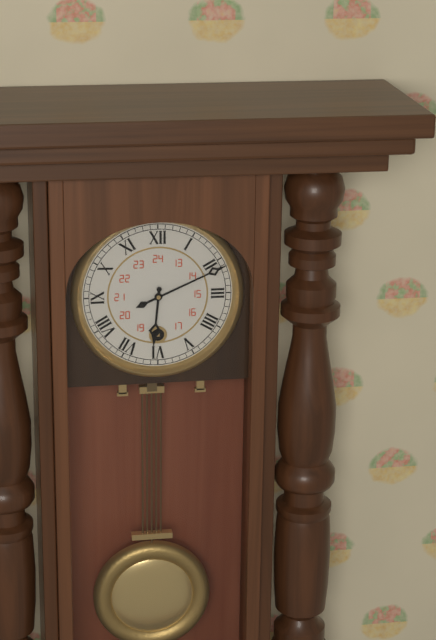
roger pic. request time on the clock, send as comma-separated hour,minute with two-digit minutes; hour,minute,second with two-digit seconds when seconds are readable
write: 6,11
